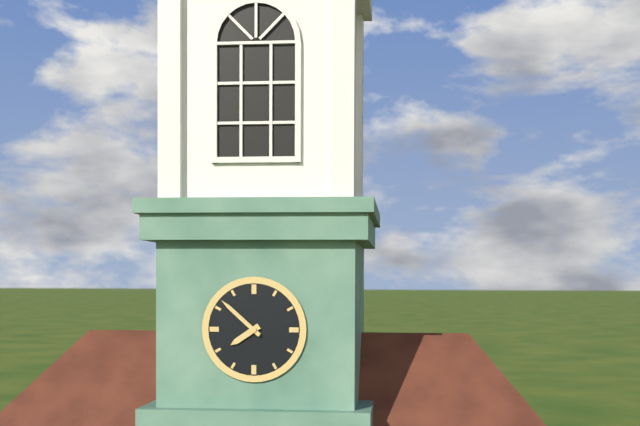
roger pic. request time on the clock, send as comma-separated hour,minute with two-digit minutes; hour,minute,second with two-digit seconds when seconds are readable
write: 7,52
